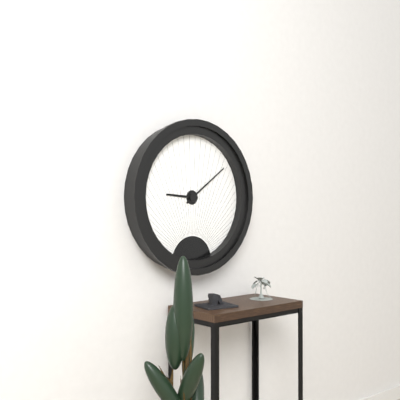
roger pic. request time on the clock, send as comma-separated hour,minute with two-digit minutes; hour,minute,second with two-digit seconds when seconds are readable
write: 9,09
